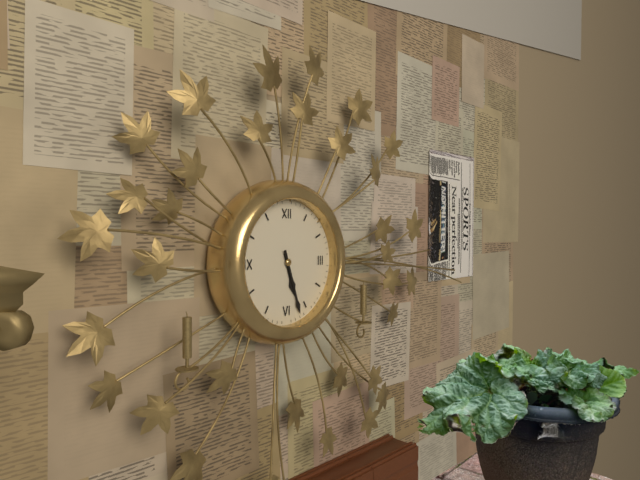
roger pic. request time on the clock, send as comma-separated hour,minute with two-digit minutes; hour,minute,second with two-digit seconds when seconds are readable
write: 5,27
